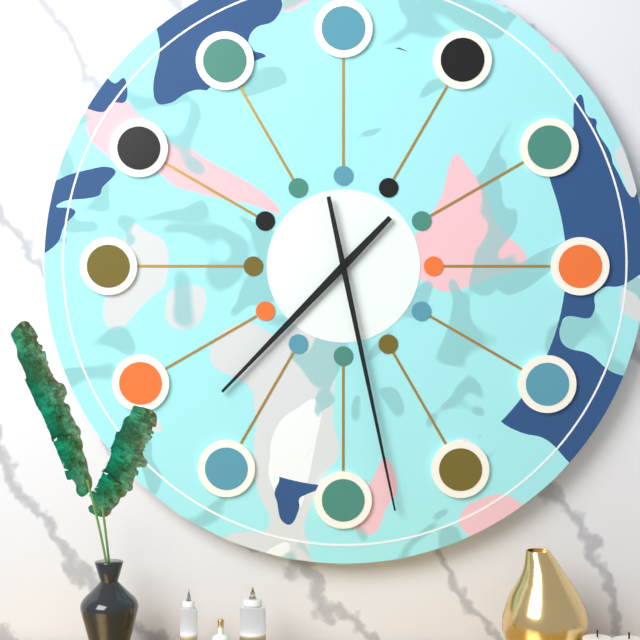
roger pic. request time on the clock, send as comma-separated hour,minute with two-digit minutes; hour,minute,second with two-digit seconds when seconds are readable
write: 7,28
